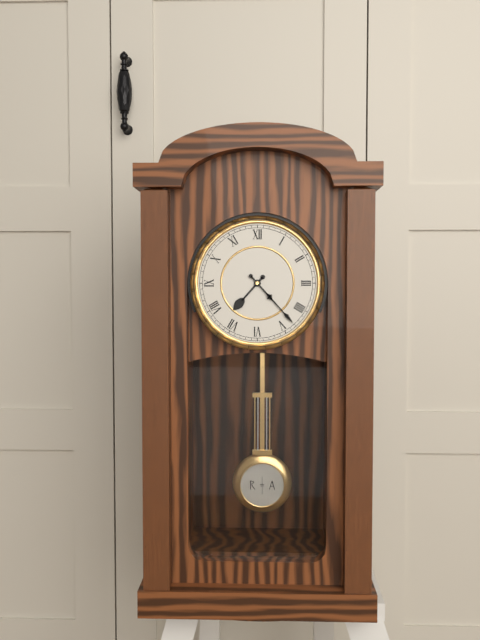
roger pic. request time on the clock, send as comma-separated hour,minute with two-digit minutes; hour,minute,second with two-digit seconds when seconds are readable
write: 7,23
